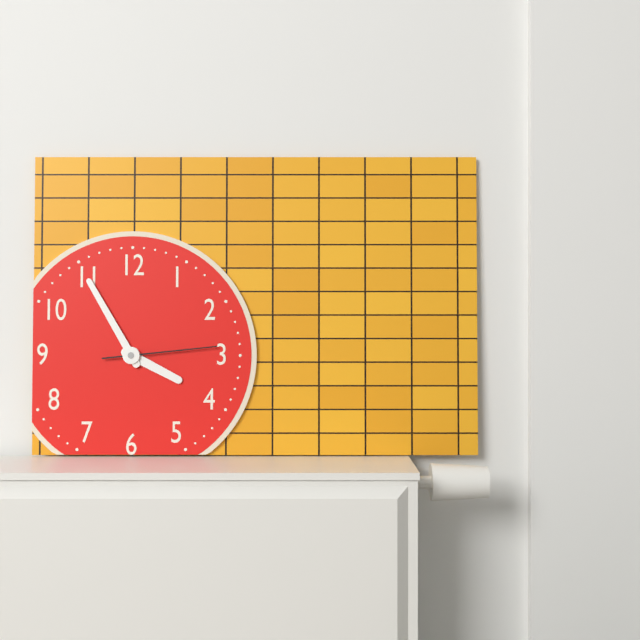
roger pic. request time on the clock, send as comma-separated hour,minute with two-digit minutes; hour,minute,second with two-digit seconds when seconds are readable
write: 3,55,14
